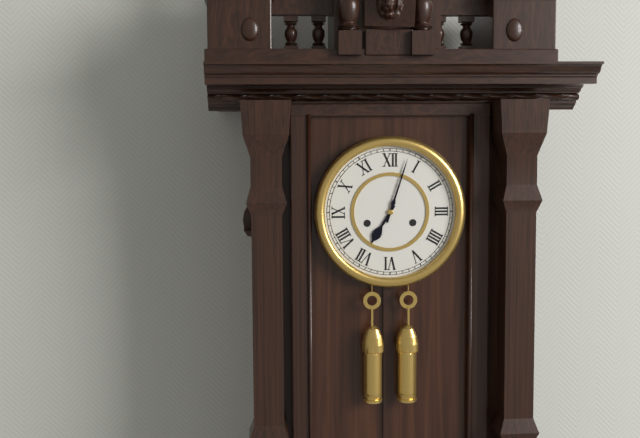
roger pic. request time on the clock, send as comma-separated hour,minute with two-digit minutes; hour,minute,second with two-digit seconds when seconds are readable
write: 7,03
